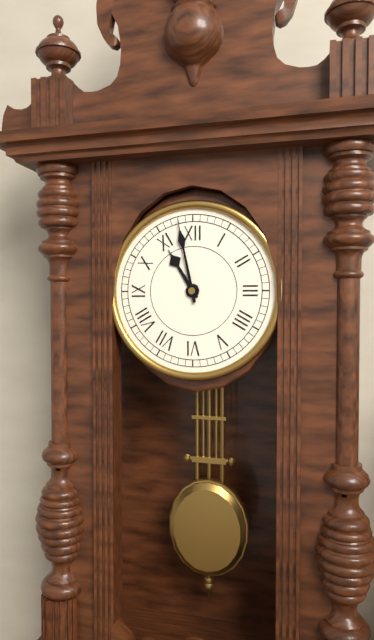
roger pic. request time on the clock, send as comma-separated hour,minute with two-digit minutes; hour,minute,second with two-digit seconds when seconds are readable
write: 10,58
